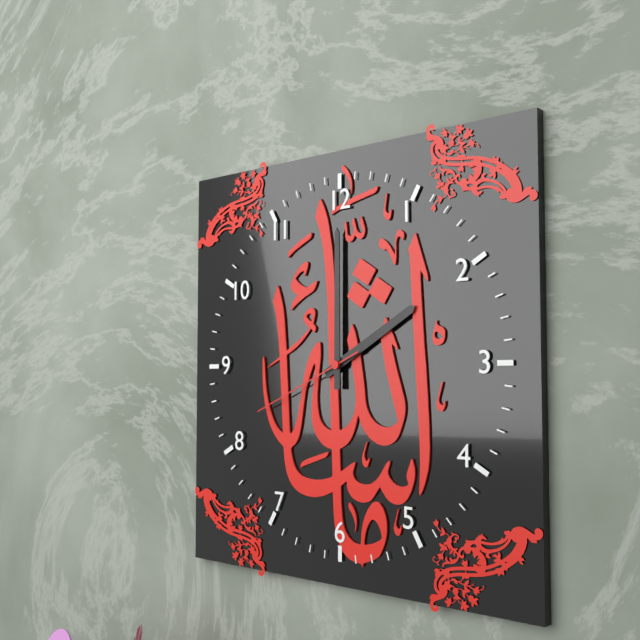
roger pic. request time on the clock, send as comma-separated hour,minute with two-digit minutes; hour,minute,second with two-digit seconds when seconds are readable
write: 2,00,41
